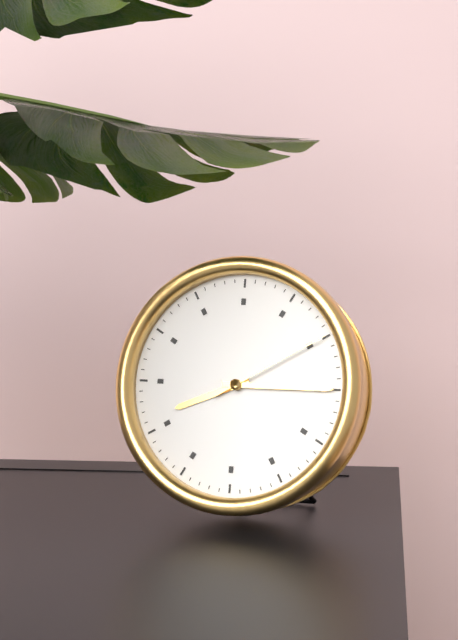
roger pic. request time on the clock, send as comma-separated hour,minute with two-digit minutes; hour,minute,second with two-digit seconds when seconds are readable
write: 8,15,10
